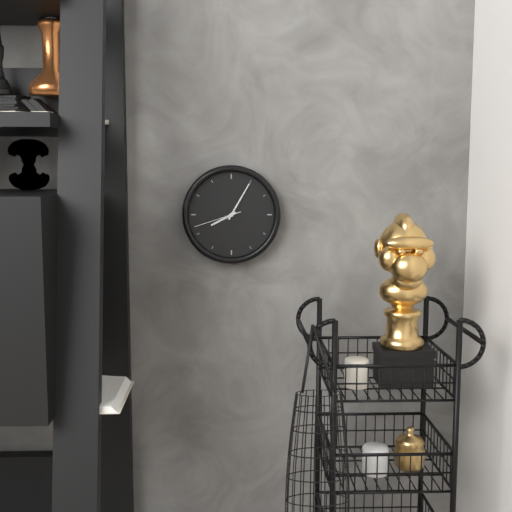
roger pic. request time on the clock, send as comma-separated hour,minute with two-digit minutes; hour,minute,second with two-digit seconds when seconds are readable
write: 8,05
